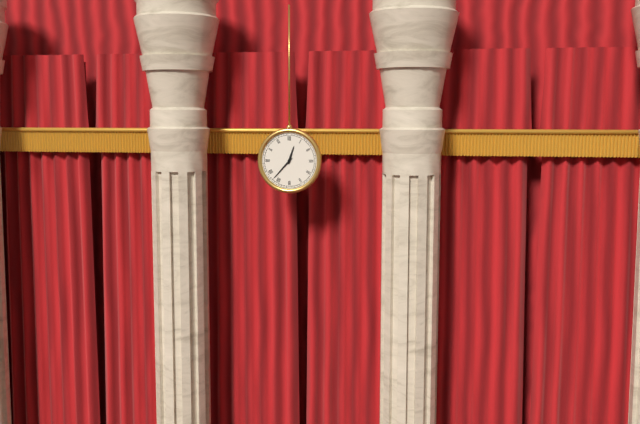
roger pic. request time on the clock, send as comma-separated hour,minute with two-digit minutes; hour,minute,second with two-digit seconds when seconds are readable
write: 12,37
